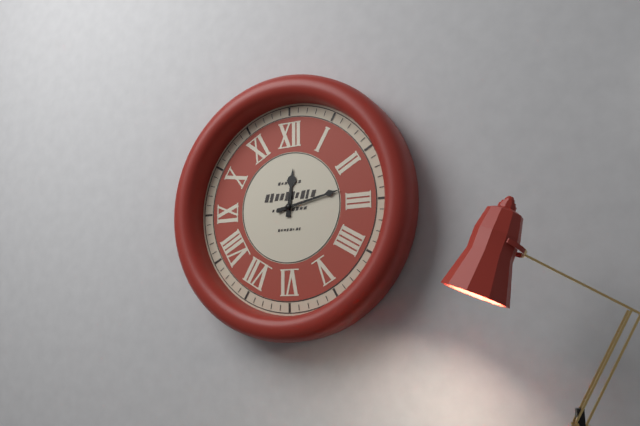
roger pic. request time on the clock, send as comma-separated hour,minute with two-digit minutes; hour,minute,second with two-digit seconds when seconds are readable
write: 12,13
